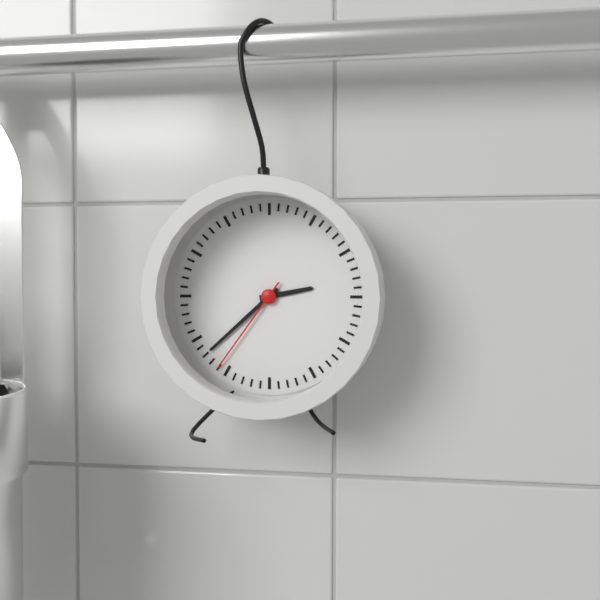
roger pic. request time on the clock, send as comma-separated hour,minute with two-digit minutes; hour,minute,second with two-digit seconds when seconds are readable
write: 2,38,36
